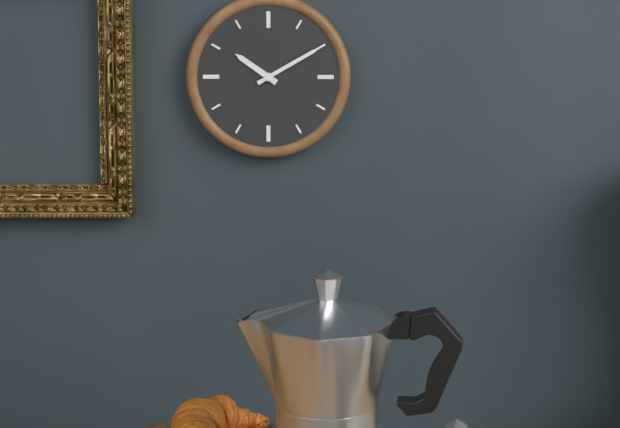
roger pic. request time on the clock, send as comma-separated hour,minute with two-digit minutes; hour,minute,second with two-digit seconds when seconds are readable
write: 10,10
